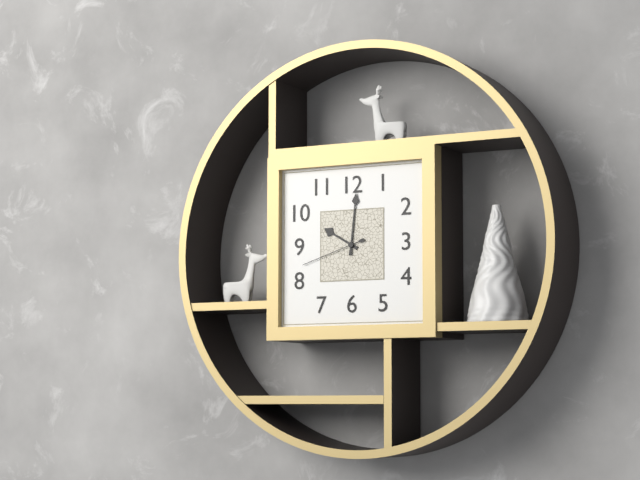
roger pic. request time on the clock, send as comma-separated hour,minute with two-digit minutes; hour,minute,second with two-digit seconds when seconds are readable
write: 10,01,42
